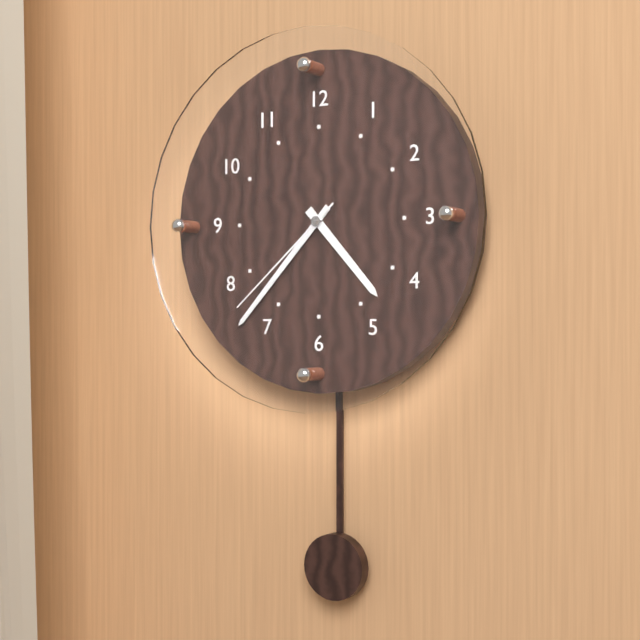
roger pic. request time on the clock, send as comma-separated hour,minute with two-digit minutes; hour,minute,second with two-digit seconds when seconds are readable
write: 4,37,38
